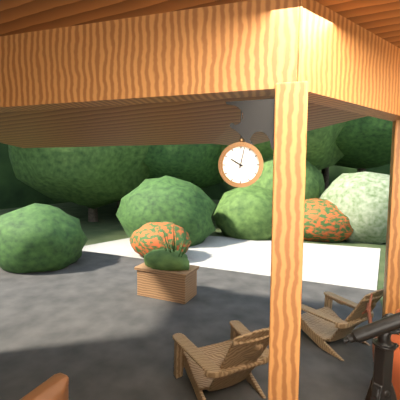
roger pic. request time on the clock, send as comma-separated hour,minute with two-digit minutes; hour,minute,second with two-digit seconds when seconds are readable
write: 10,02
